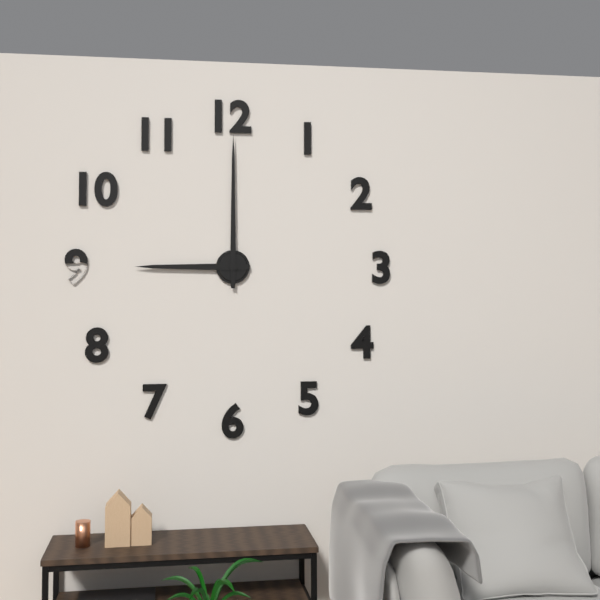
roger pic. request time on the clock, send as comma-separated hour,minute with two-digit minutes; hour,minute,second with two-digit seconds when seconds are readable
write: 9,00
